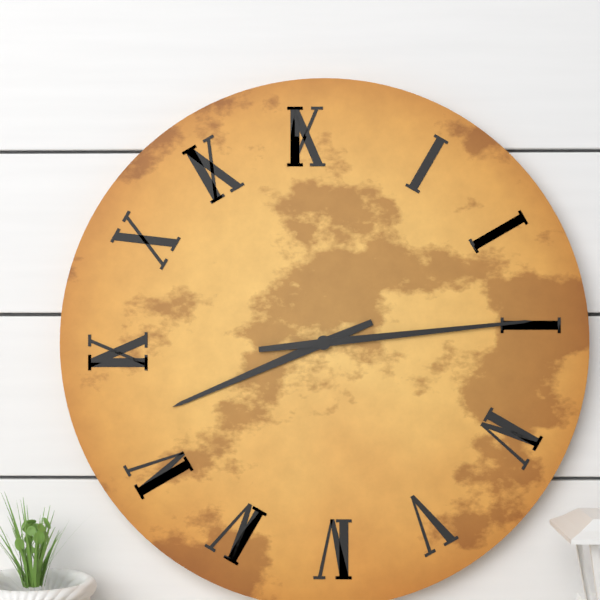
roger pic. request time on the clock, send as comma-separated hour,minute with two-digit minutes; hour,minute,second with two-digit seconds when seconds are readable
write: 8,14
